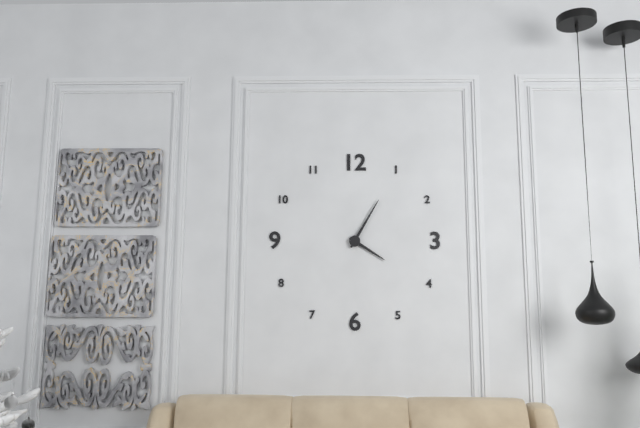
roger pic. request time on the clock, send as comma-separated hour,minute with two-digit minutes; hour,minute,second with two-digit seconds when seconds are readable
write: 4,05
